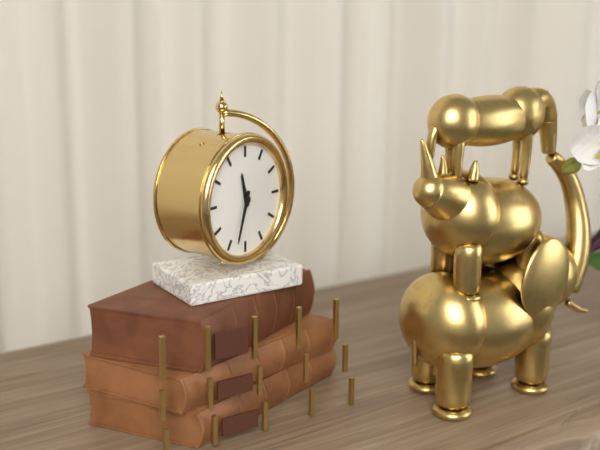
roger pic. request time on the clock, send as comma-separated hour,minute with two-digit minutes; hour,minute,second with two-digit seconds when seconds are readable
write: 11,33
